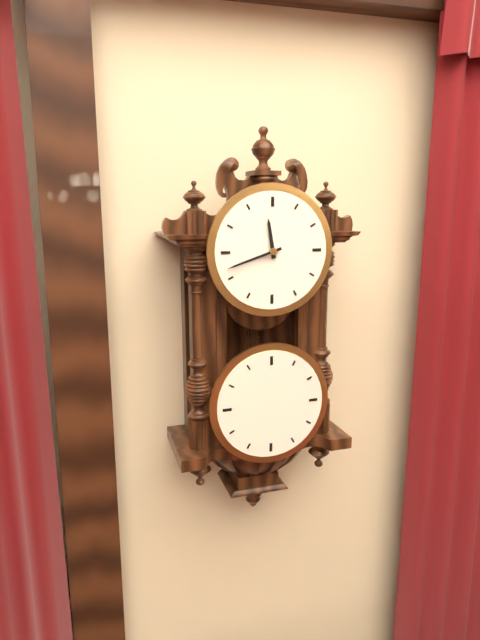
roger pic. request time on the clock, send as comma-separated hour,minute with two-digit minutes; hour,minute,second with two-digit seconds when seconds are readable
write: 11,42
